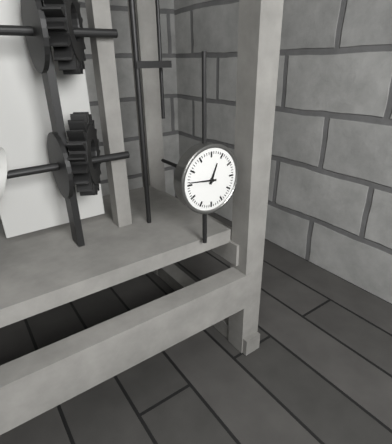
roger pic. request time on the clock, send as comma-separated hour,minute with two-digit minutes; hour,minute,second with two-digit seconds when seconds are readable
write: 12,46
